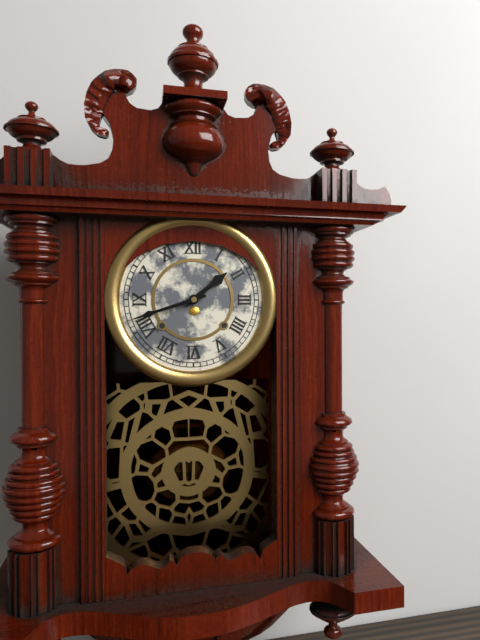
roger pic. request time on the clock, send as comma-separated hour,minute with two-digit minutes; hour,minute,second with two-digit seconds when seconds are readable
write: 1,42
